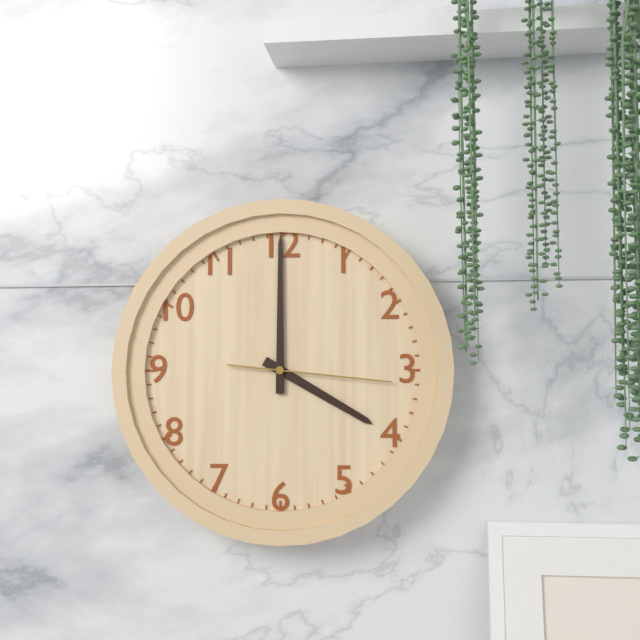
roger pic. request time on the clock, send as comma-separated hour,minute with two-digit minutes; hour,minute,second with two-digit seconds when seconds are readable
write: 4,00,16
